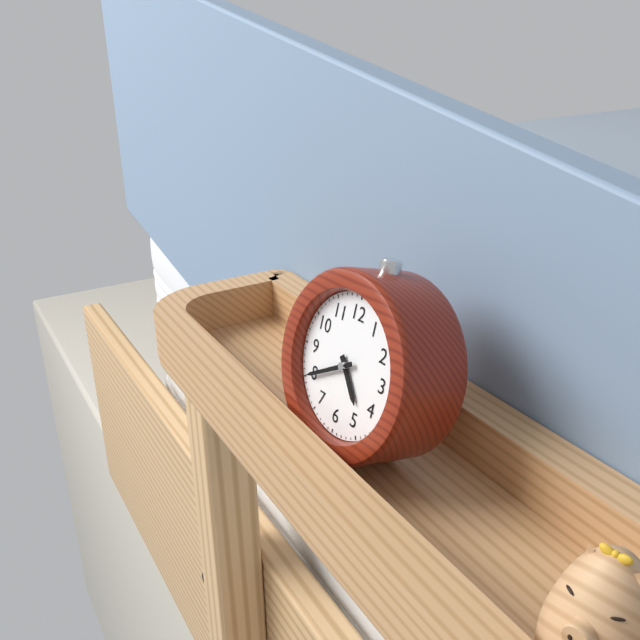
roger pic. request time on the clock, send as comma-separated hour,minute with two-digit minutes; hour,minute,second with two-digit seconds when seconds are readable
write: 4,40
